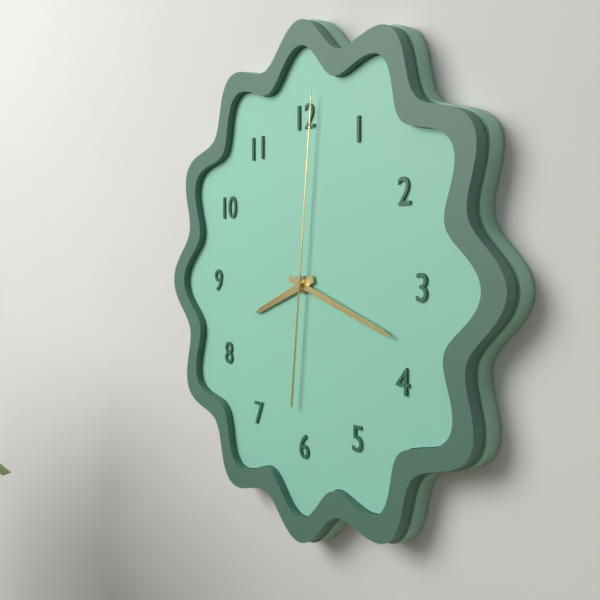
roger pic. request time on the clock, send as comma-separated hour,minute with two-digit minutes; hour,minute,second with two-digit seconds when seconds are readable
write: 8,18,01
